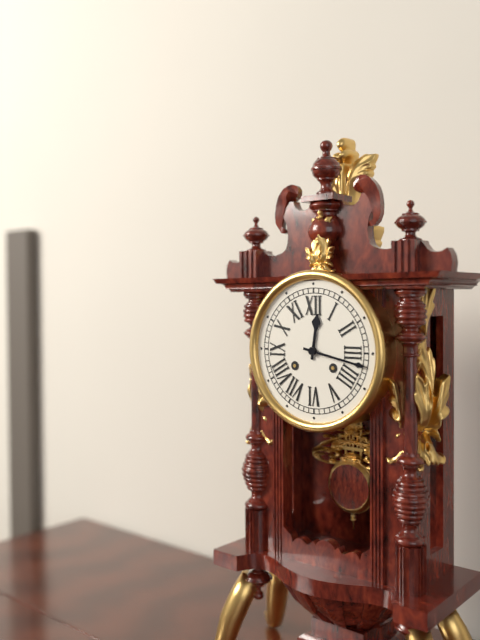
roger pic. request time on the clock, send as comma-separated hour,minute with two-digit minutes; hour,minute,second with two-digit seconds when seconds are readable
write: 12,17
